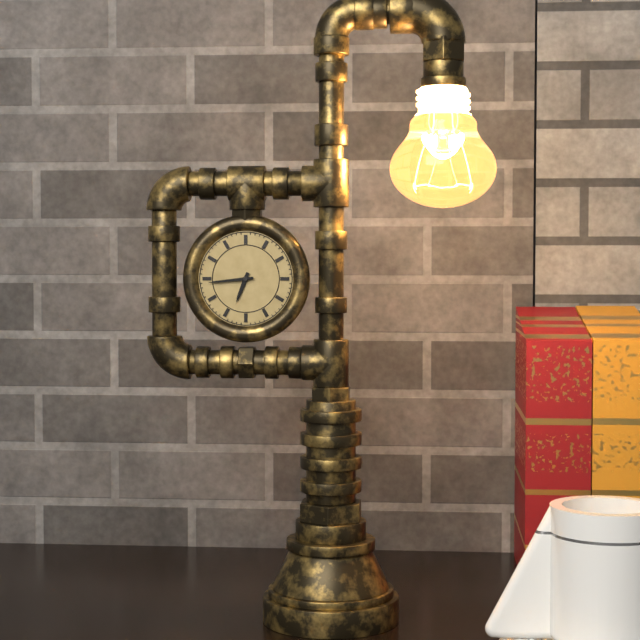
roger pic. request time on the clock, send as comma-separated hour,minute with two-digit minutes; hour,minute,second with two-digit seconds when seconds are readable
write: 6,44
